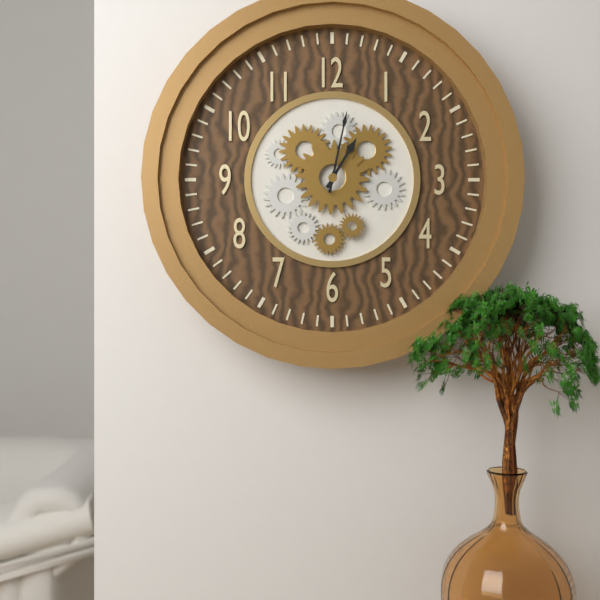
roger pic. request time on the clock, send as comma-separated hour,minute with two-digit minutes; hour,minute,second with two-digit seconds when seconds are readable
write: 1,02
